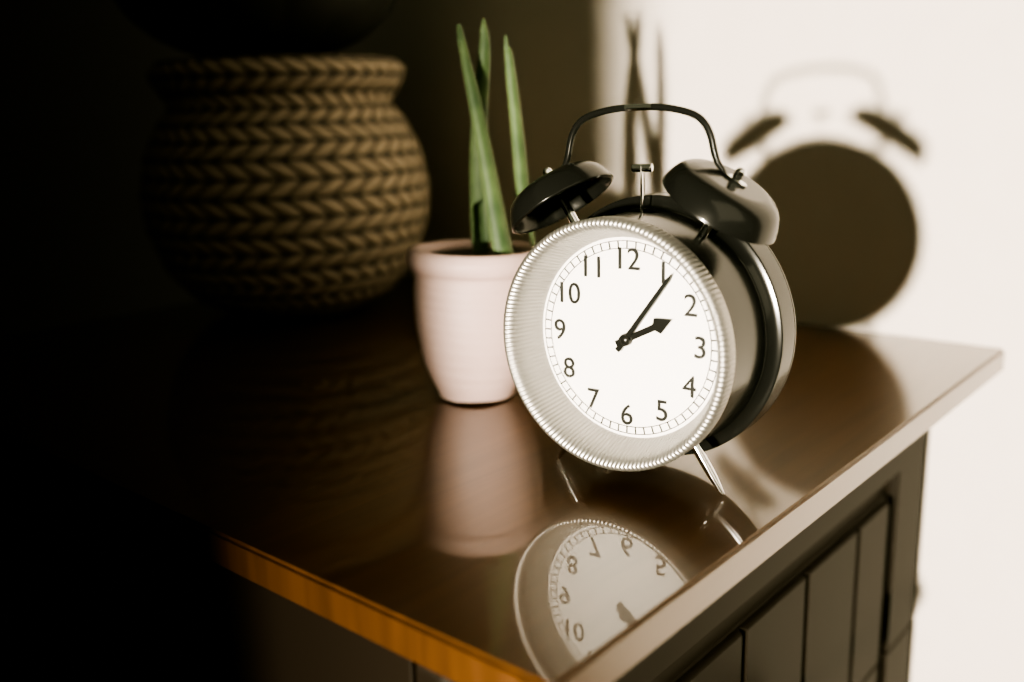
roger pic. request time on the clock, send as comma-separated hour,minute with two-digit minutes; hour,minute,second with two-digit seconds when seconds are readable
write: 2,06
